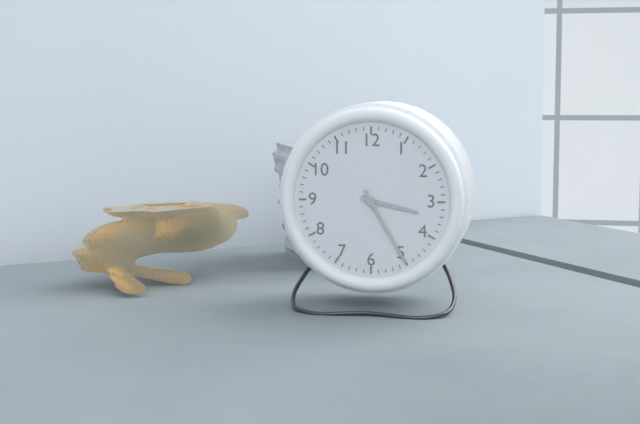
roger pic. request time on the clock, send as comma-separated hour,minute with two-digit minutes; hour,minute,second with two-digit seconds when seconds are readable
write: 3,25
